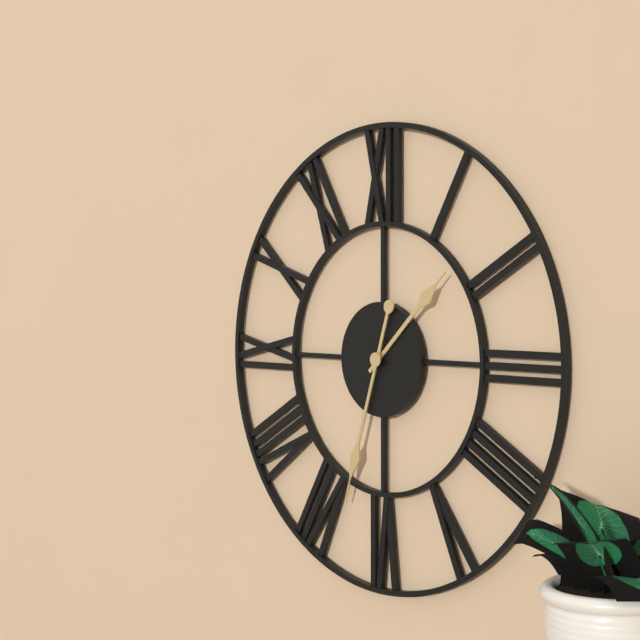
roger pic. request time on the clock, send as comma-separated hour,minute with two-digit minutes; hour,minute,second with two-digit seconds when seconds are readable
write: 1,33
